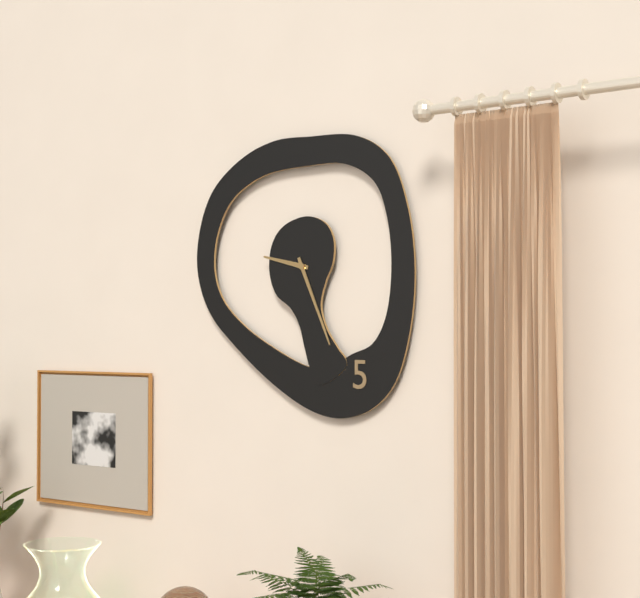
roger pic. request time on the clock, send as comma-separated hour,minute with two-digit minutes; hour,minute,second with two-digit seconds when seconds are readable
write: 9,26
